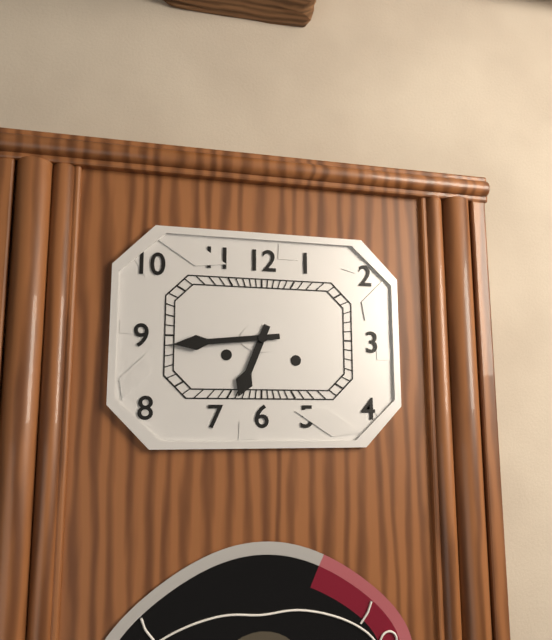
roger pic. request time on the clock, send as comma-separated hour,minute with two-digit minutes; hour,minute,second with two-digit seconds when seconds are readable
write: 6,44
